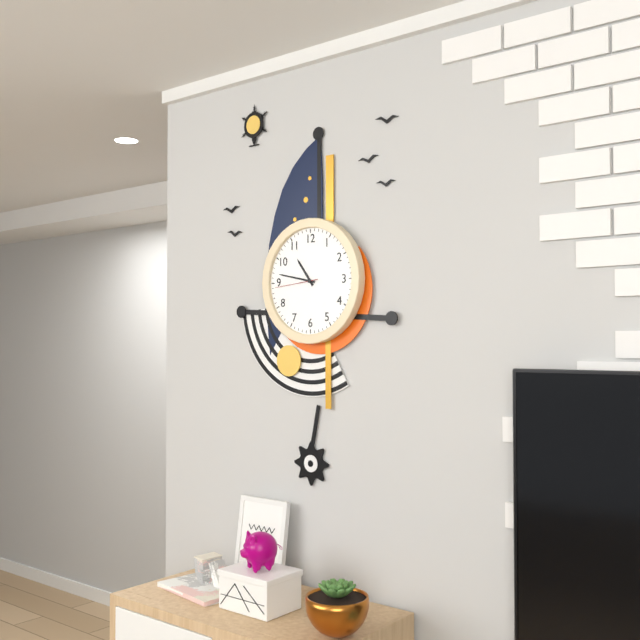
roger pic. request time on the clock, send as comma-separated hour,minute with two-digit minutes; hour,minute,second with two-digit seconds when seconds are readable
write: 10,47
